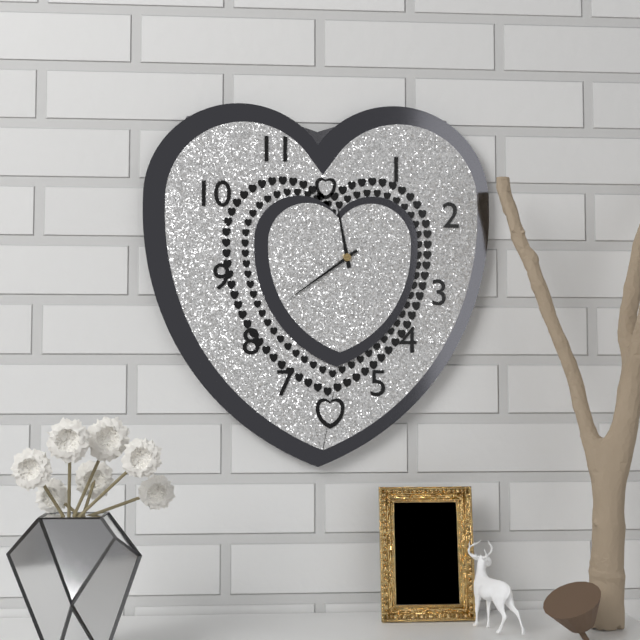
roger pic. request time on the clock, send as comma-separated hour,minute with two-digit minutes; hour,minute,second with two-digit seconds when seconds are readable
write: 11,39
